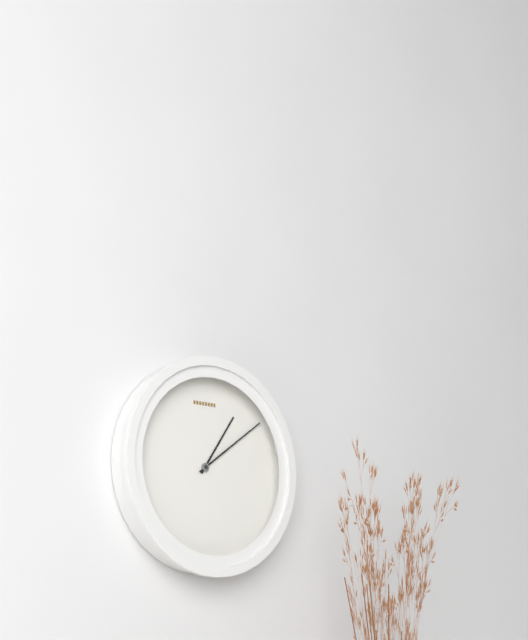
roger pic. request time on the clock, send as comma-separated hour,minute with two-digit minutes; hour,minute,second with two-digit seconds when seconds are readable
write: 1,09
